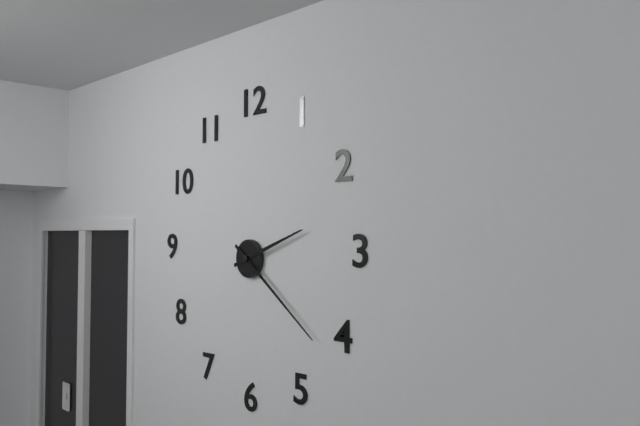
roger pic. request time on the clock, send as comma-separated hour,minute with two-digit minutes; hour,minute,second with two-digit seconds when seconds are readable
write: 2,21
